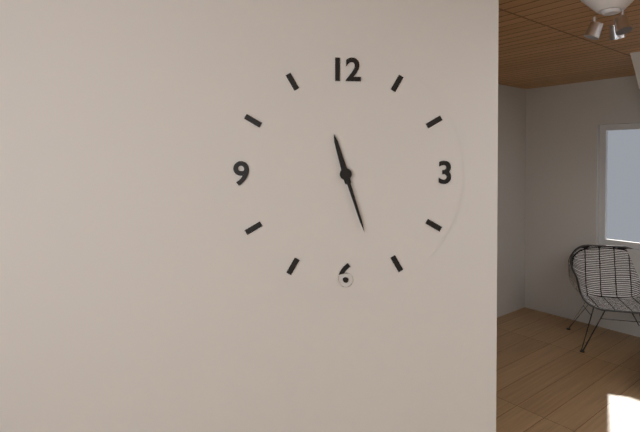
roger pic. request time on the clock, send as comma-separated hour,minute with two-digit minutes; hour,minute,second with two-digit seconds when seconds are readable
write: 11,27
